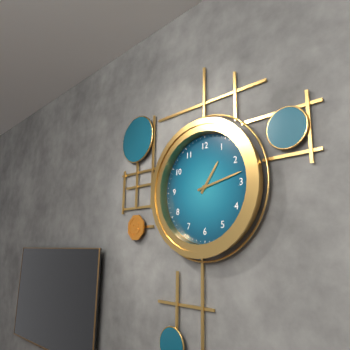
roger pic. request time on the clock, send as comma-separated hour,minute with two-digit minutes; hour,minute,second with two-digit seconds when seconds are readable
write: 1,13
